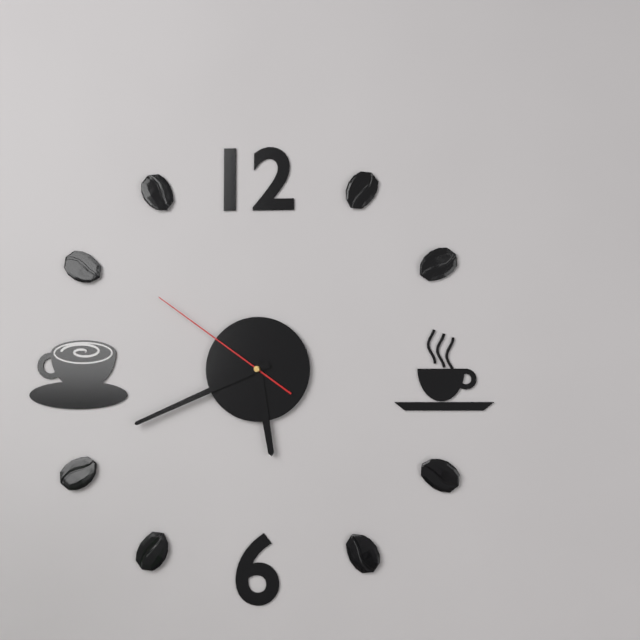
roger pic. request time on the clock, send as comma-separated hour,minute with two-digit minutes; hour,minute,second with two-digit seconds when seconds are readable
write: 5,41,51
